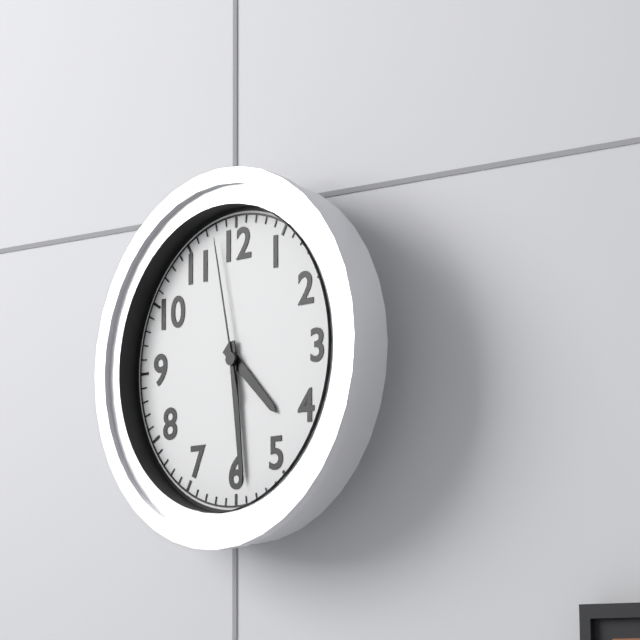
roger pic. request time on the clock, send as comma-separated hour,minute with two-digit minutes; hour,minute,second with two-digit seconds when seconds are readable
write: 4,29,58
